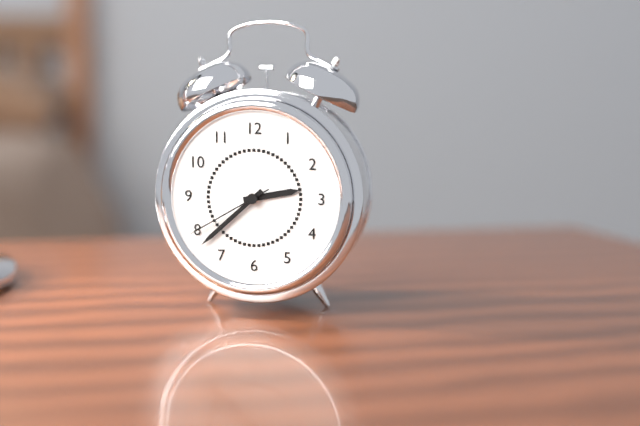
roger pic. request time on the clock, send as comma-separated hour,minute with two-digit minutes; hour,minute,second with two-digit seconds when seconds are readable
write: 2,38,40
